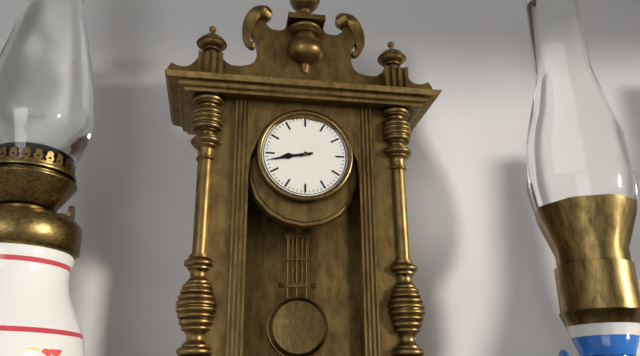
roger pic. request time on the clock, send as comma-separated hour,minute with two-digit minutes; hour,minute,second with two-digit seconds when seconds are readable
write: 8,43
